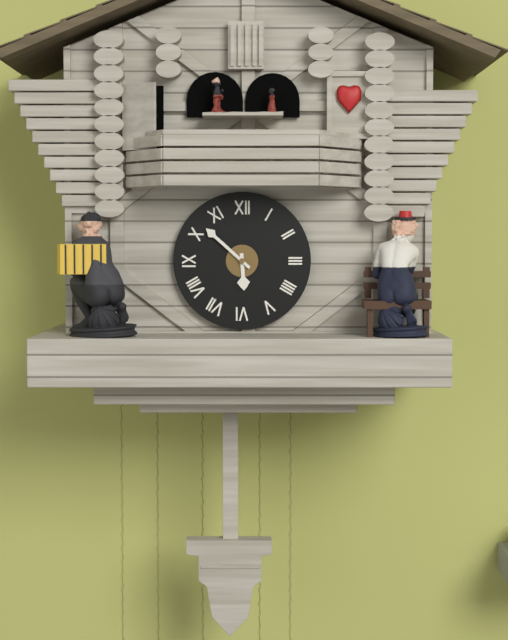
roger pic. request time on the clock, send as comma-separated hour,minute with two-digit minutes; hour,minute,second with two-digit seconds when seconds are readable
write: 5,52
